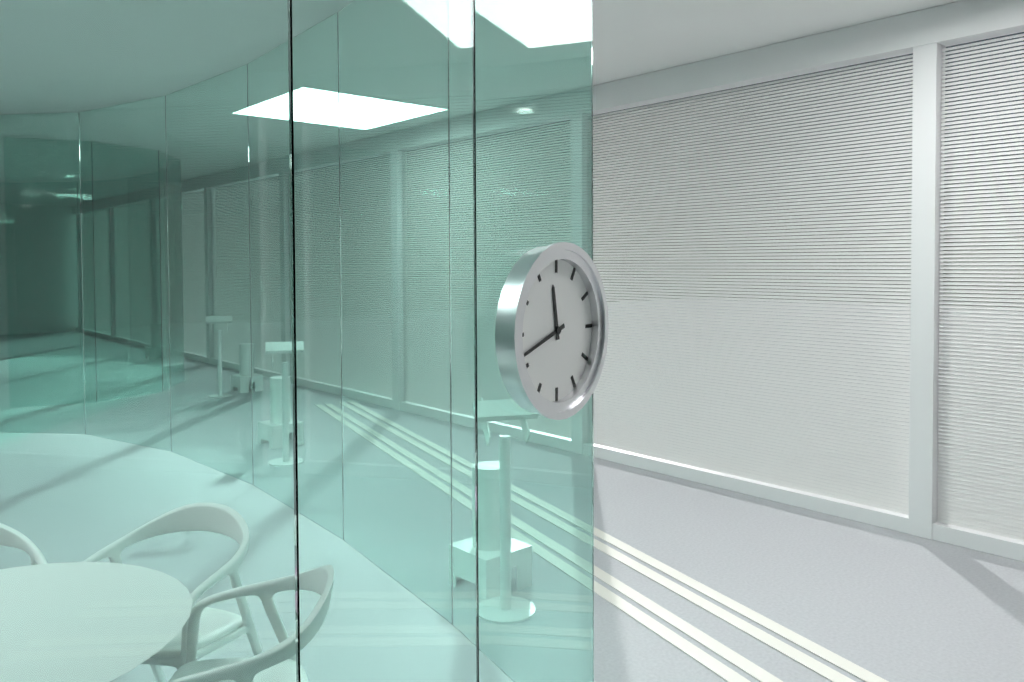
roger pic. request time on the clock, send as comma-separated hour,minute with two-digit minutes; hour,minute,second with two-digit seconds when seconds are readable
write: 11,42
